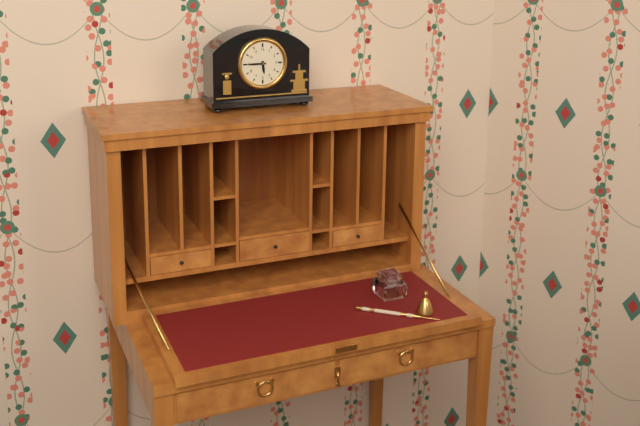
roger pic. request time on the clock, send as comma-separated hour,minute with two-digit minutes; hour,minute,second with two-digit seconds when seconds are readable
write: 5,45
